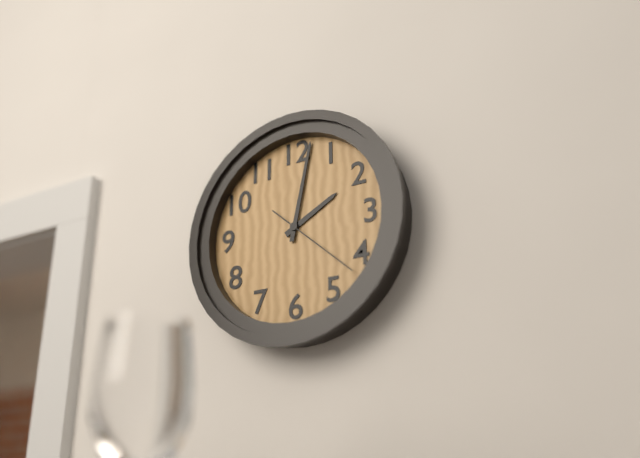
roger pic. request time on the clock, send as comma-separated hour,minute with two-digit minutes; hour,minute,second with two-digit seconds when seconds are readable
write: 2,02,22
